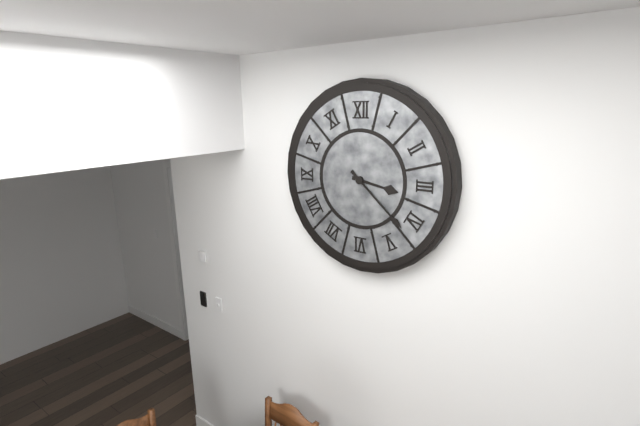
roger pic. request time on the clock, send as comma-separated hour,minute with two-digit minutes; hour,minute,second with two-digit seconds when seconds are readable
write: 3,22
